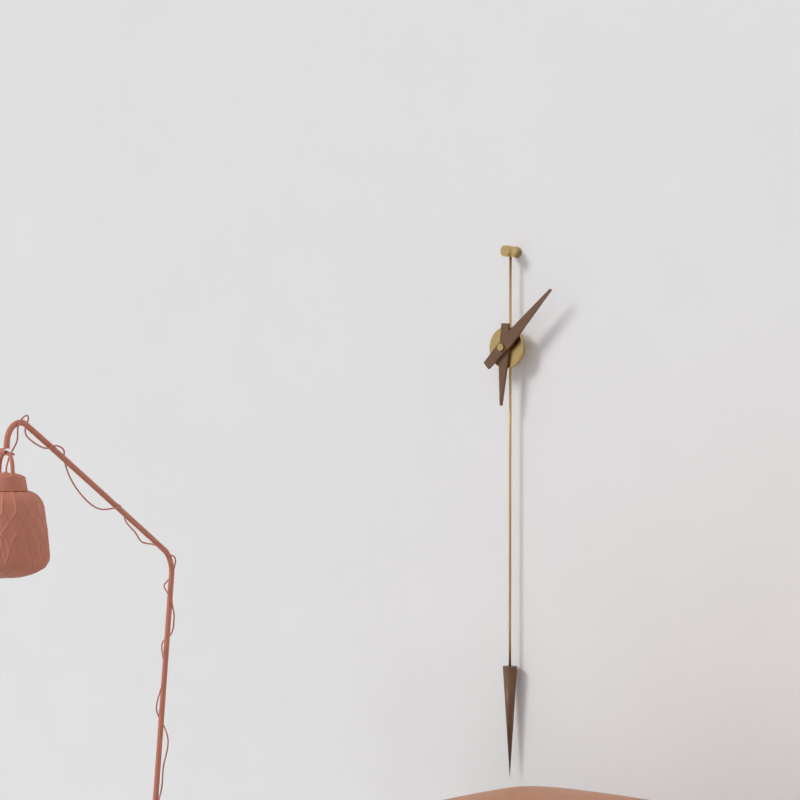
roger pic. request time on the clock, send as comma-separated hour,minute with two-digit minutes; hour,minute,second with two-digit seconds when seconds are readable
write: 6,08
